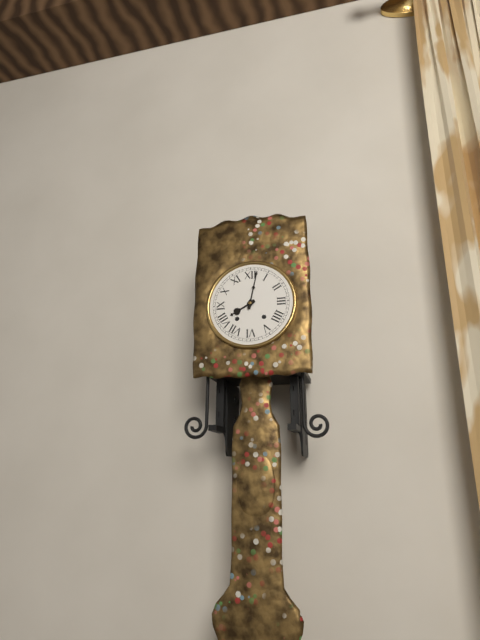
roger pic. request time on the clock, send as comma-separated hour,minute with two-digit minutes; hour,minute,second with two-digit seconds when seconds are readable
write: 8,02
